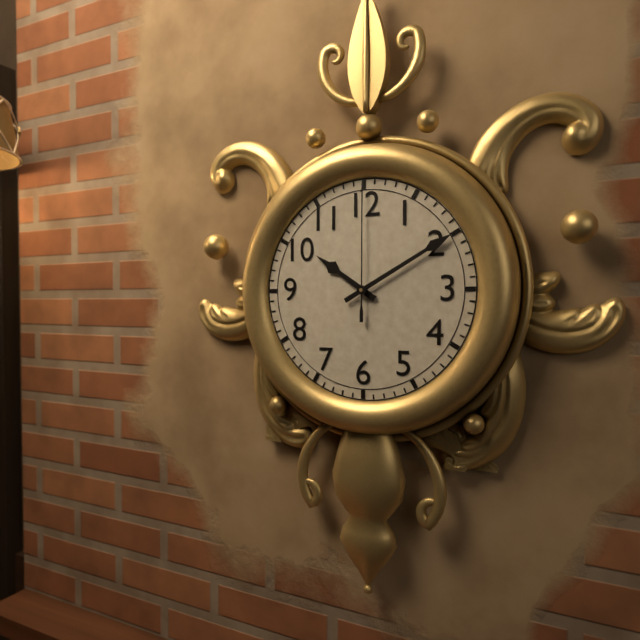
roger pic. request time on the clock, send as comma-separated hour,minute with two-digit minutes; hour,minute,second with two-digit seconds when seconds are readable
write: 10,10,00
